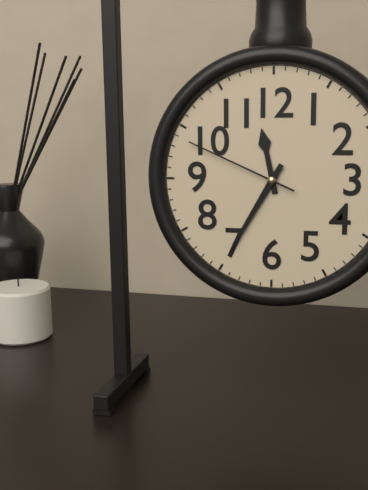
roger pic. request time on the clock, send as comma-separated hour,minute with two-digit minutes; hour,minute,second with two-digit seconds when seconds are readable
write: 11,35,49
